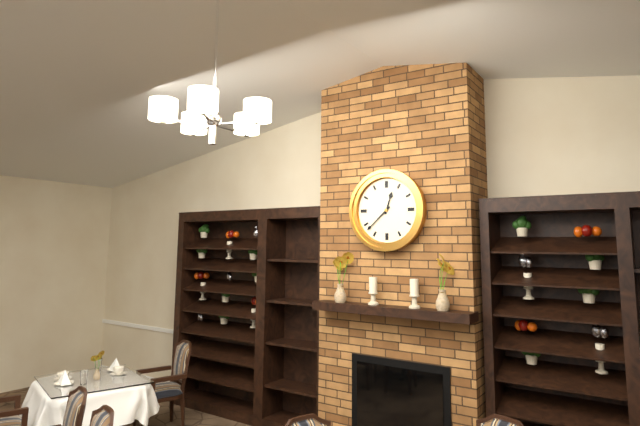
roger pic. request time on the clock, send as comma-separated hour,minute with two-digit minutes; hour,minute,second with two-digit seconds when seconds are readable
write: 12,38
